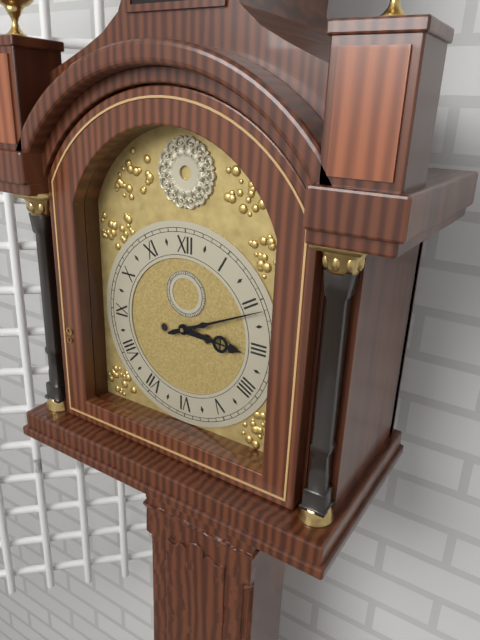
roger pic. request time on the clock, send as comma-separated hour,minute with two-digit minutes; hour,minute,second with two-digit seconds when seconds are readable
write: 3,11
